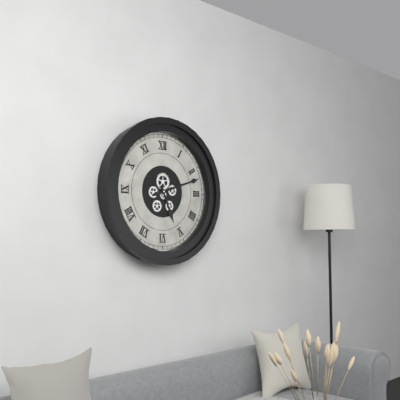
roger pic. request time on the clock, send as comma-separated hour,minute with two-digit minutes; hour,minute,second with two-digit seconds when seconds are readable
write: 5,12
